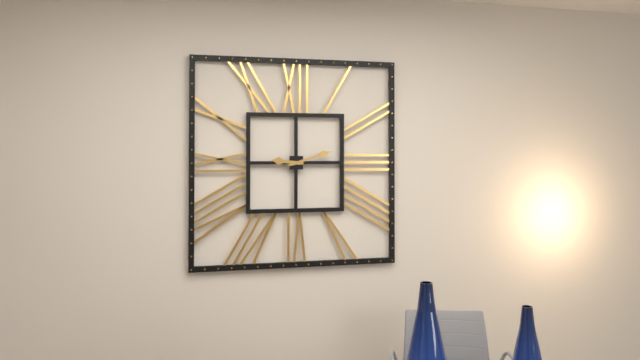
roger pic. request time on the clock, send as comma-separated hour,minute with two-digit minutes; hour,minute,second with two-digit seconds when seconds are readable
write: 9,12
